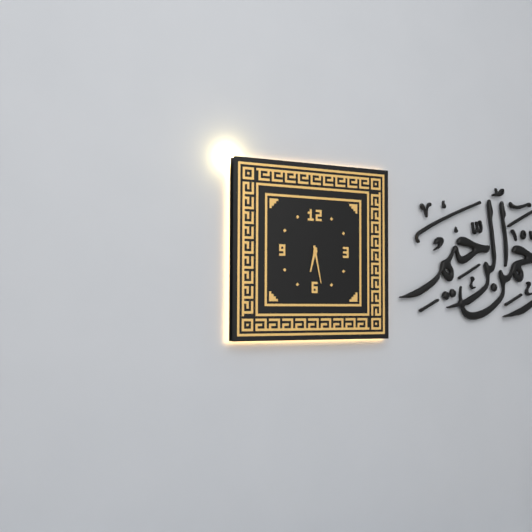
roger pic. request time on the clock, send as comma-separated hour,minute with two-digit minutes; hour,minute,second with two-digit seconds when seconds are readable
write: 6,28
